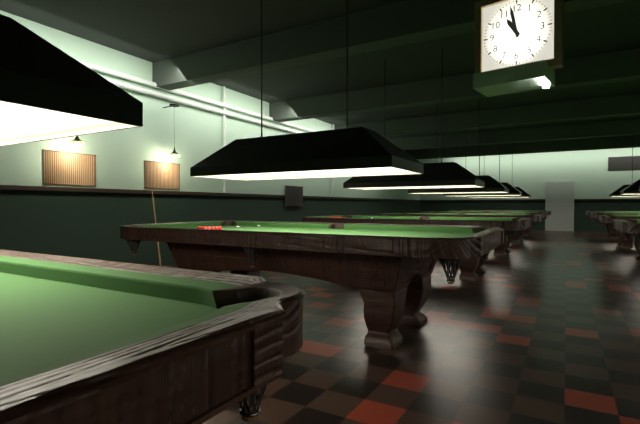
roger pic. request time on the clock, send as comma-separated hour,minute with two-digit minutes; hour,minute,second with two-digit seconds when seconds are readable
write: 10,58
